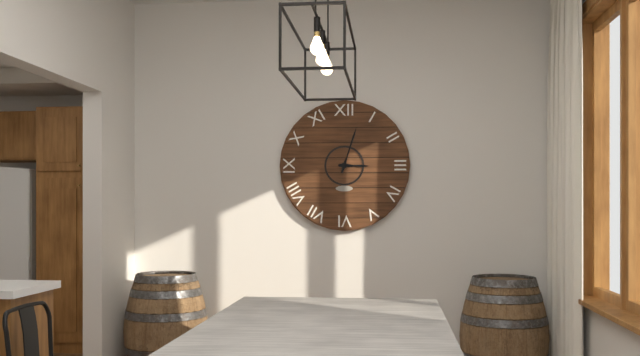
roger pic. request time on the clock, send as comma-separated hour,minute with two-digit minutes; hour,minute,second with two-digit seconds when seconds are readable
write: 3,03
